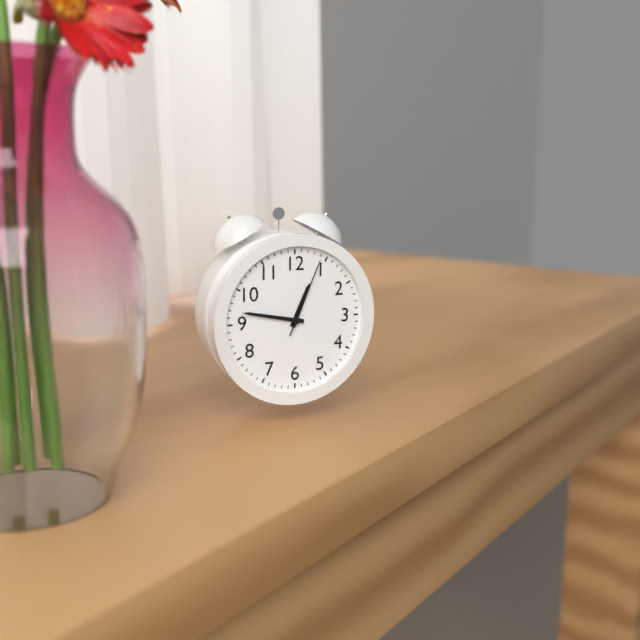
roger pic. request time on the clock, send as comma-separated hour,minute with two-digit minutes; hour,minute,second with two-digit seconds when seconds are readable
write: 12,47,04
